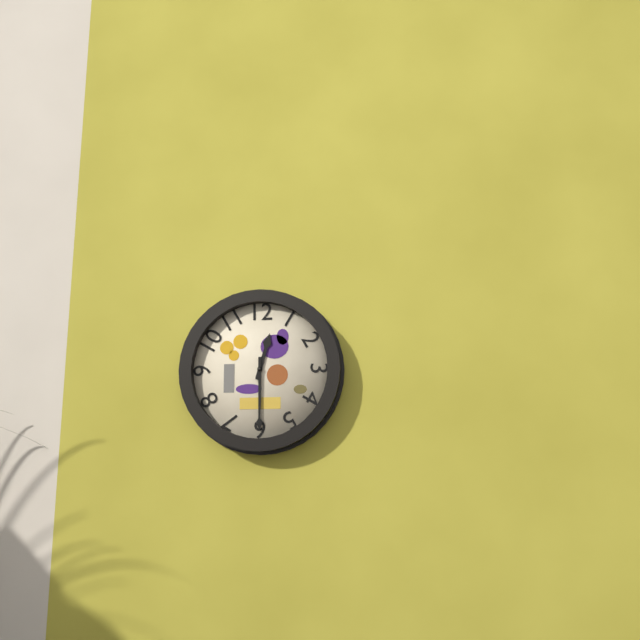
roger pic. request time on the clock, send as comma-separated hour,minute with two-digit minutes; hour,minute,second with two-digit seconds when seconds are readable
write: 12,30
